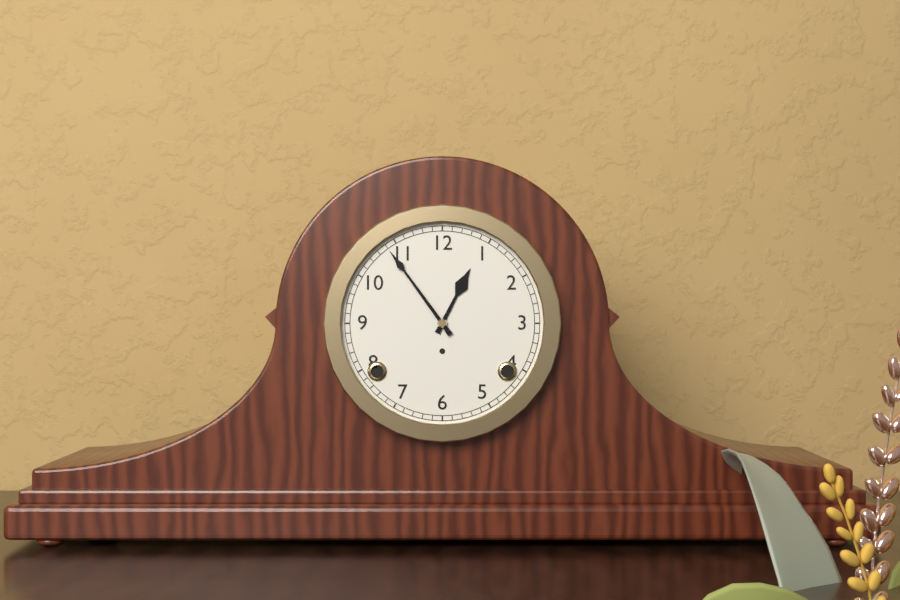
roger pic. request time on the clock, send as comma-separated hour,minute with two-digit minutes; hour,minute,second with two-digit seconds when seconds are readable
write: 12,54
